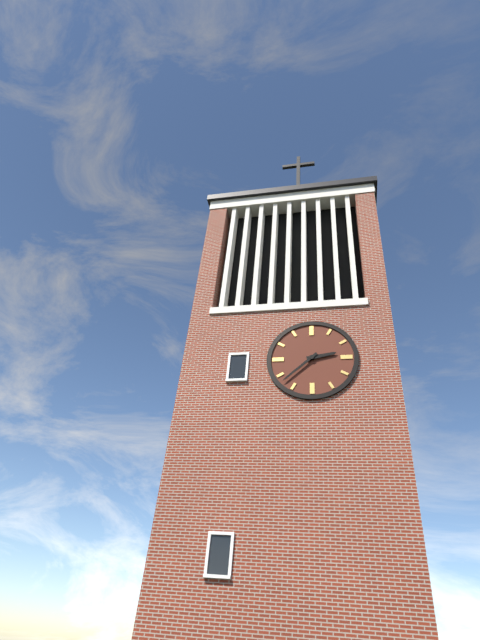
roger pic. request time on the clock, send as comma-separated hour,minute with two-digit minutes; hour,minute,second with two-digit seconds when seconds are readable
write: 2,38
